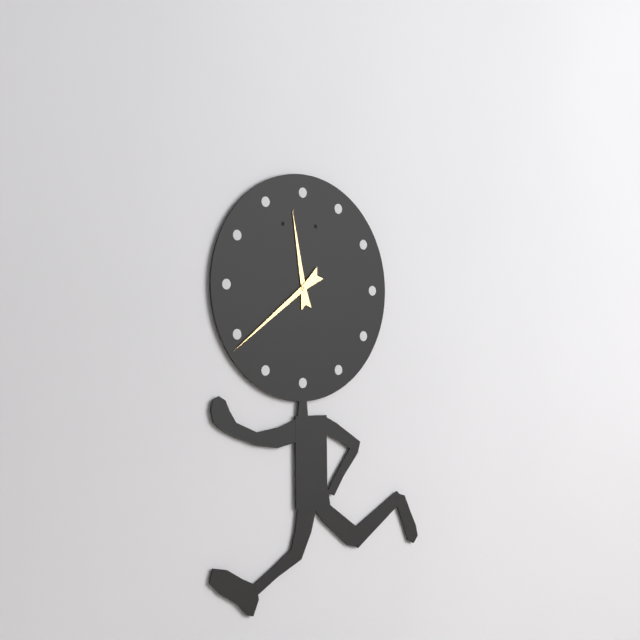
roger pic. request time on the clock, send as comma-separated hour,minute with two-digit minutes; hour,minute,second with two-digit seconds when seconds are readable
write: 11,39
